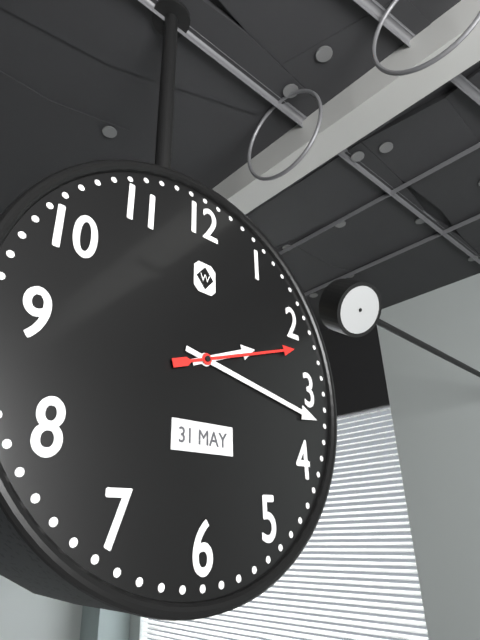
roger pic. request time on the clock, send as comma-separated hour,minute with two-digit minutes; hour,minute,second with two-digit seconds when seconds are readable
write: 2,17,12
